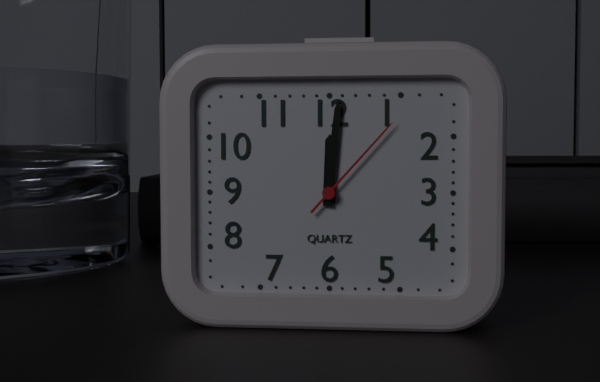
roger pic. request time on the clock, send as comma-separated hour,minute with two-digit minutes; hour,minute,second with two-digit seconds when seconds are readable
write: 12,01,07
